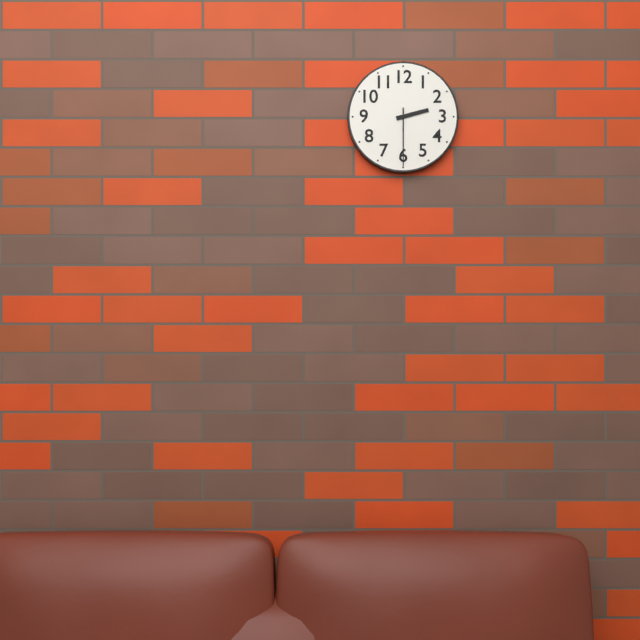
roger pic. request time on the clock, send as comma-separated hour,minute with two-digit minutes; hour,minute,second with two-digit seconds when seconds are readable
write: 2,30
